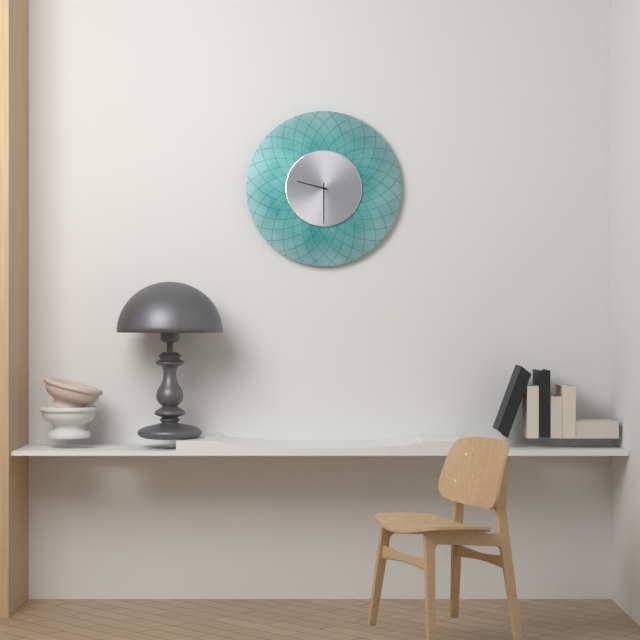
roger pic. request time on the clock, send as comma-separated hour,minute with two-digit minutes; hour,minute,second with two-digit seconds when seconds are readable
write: 9,30
